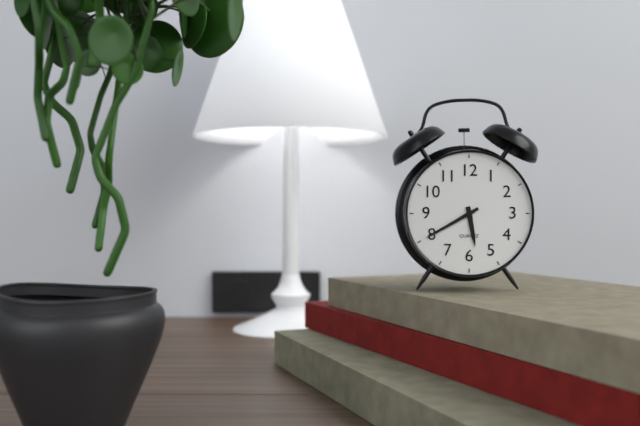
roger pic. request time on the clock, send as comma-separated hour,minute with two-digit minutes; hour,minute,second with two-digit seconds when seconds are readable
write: 5,40
